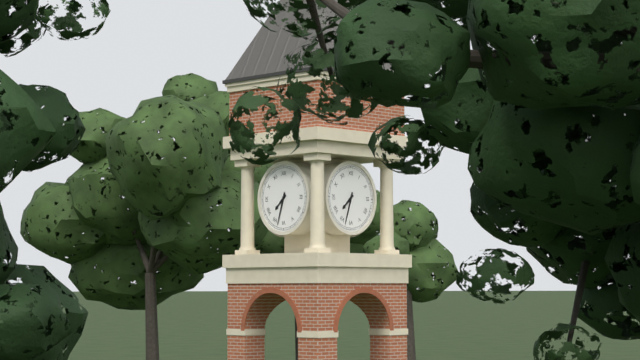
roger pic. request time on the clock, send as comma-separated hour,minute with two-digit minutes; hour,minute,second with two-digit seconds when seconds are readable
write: 7,33
